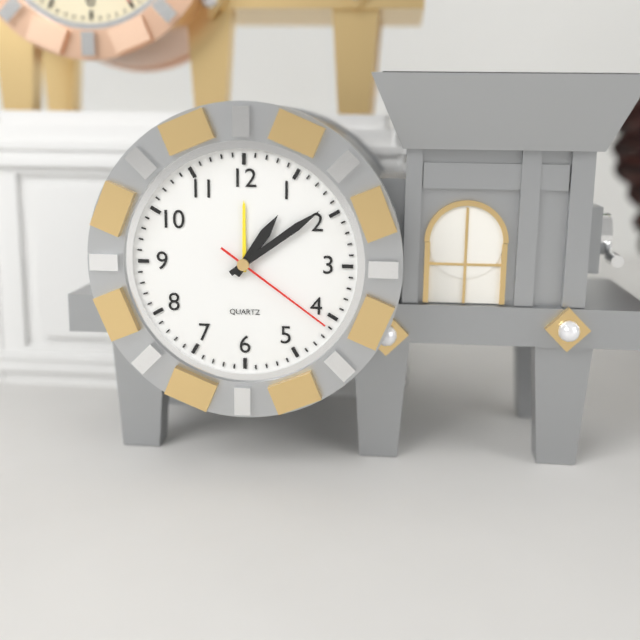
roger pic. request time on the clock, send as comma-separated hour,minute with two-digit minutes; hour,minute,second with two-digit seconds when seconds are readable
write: 1,09,21
